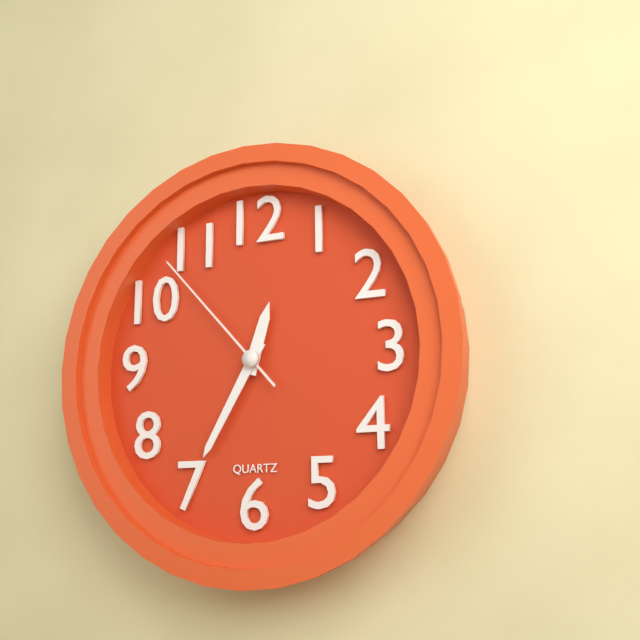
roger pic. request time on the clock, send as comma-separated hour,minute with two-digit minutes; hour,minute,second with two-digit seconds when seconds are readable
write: 12,35,53
